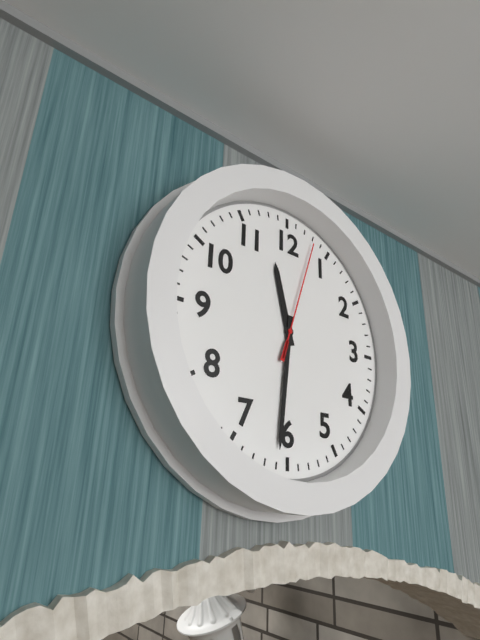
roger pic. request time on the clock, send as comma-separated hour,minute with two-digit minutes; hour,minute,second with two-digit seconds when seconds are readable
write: 11,31,03
